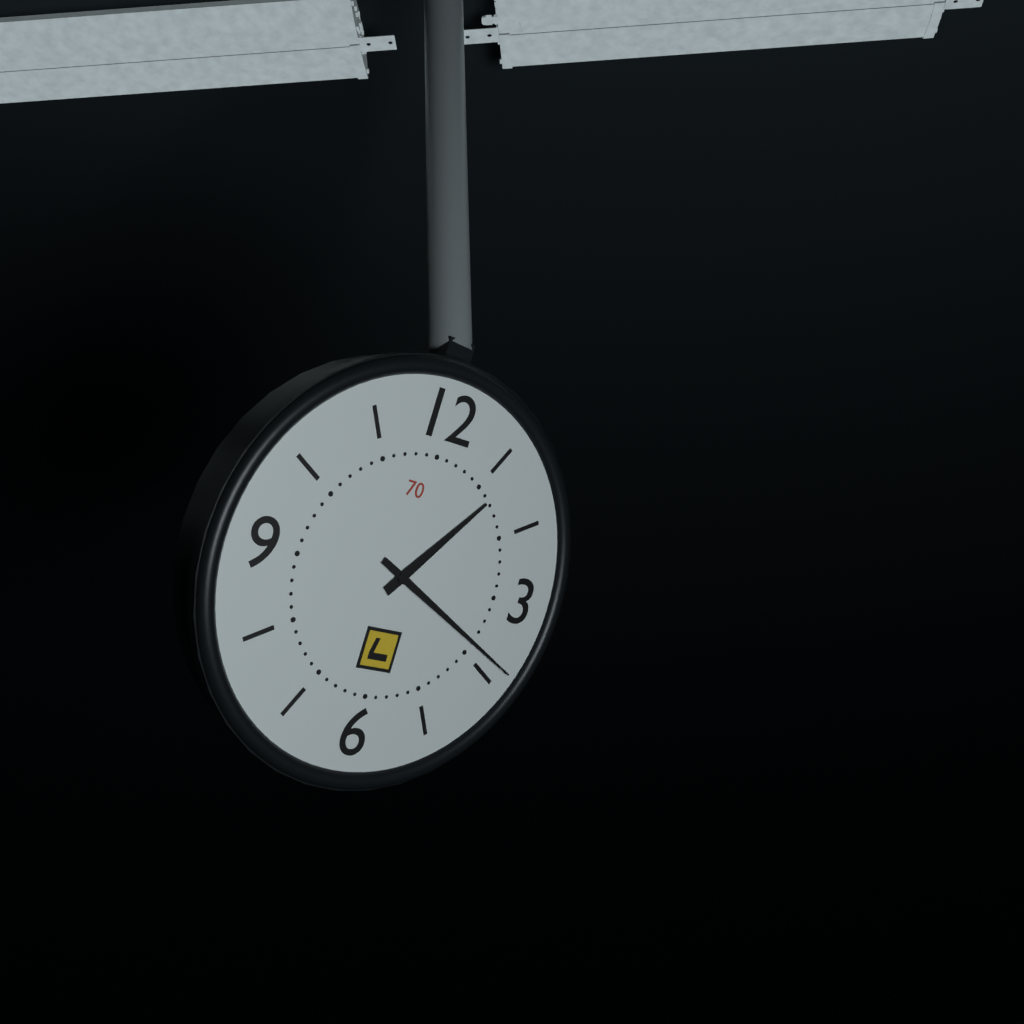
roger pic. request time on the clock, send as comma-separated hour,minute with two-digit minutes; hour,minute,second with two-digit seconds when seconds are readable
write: 1,19
